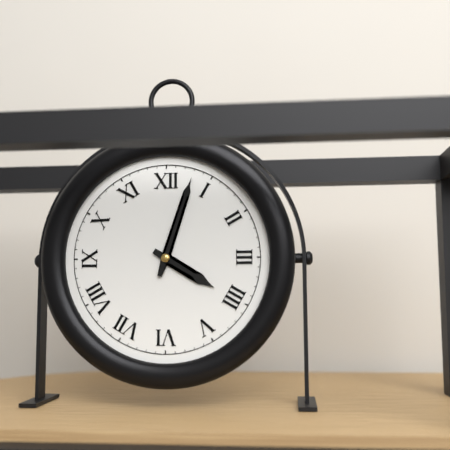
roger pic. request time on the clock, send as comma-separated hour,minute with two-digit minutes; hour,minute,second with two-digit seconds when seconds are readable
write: 4,03
